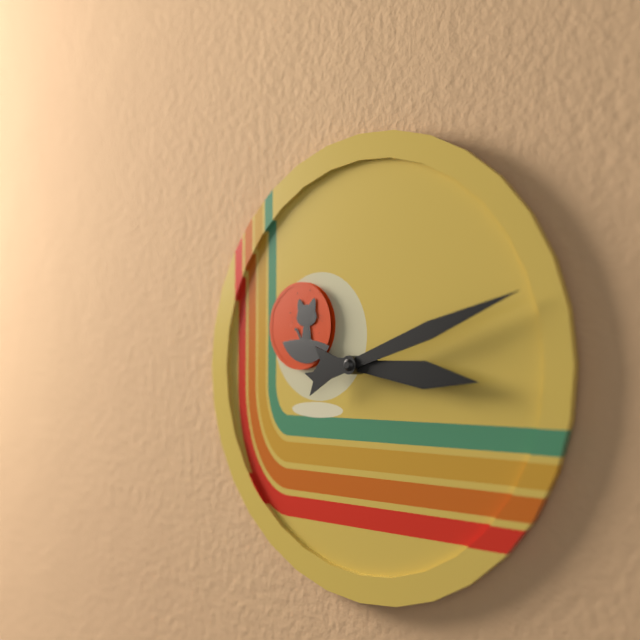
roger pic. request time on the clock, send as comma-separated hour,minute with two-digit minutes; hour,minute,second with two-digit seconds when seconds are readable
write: 3,12
